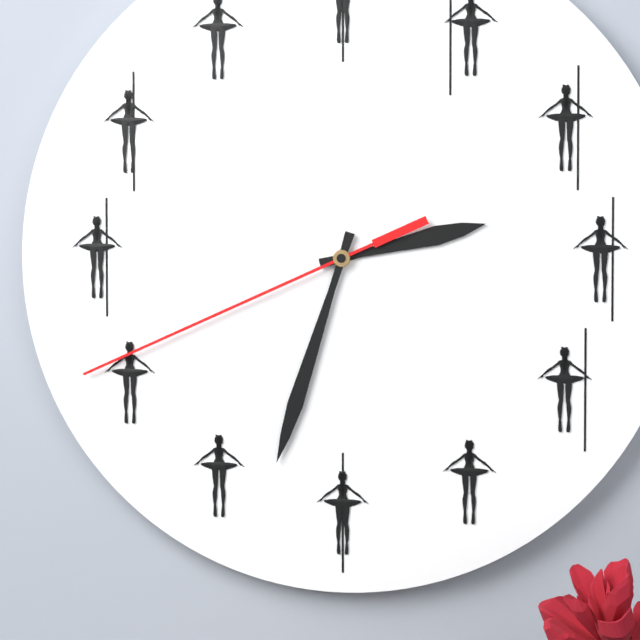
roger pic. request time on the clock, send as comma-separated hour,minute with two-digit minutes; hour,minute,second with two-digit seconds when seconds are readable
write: 2,33,41
